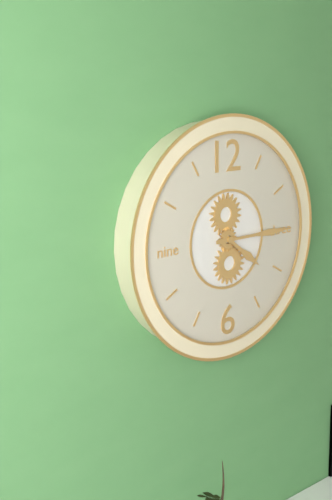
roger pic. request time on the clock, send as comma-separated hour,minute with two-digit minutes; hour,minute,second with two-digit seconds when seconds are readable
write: 4,15
